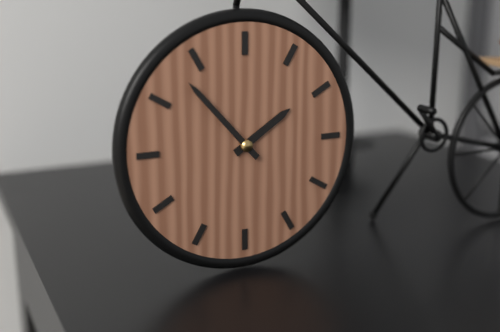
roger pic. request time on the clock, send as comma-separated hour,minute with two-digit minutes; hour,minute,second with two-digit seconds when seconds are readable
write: 1,53
